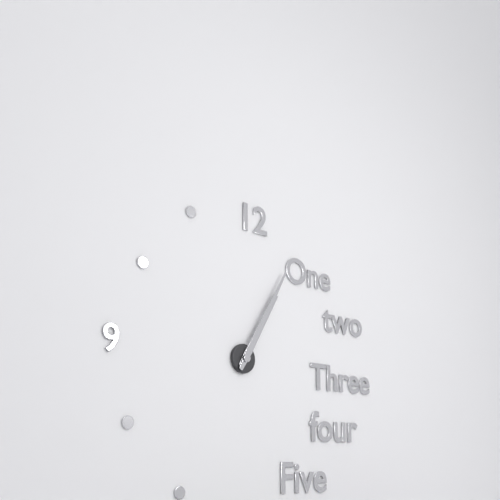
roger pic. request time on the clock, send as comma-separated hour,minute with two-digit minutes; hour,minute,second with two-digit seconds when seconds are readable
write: 1,05
